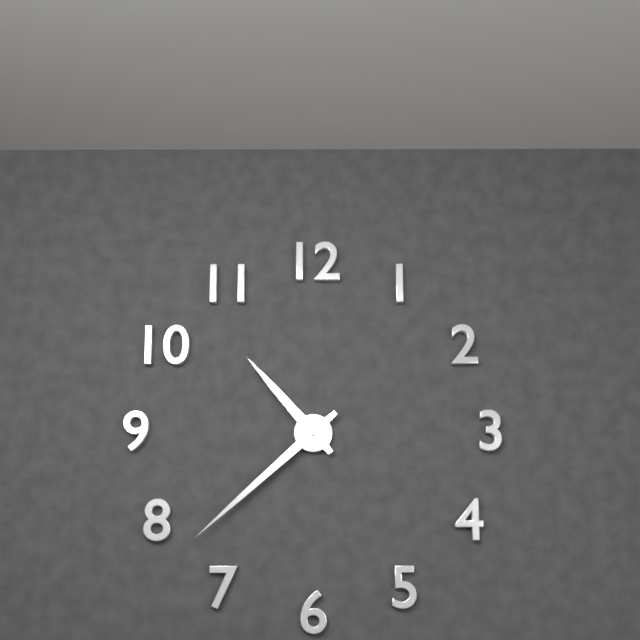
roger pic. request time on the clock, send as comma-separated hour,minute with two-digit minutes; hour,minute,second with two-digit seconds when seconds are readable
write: 10,38
